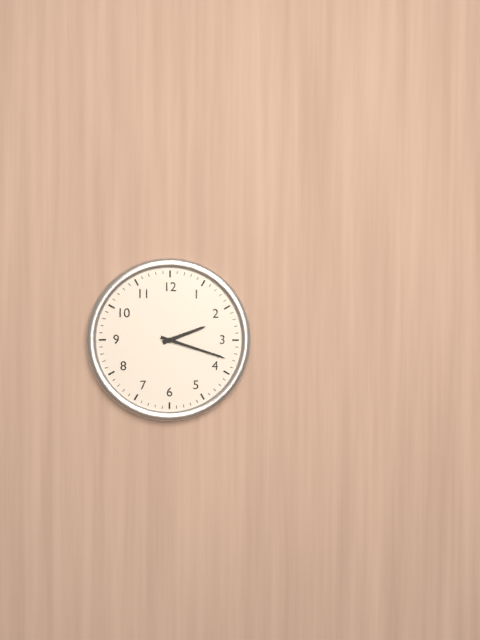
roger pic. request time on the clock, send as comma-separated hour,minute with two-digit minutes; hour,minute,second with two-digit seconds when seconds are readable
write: 2,18
